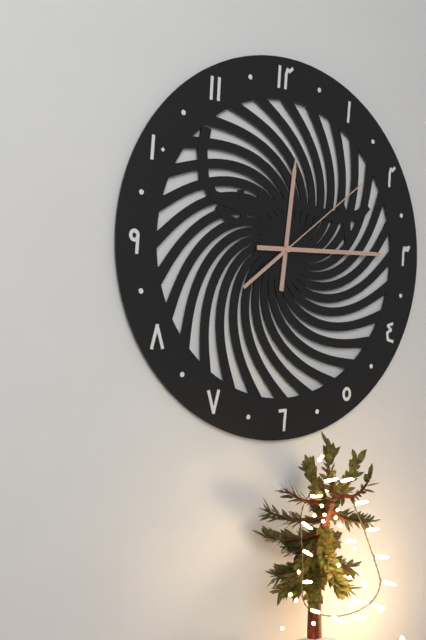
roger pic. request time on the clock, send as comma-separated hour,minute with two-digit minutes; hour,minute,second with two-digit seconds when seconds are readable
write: 12,15,09
